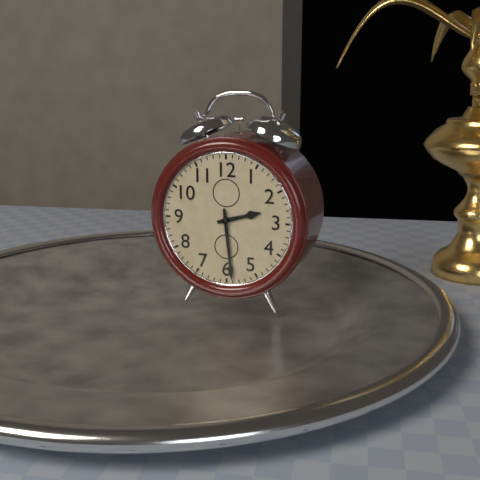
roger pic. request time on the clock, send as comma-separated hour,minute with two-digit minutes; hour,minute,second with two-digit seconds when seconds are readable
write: 2,29
